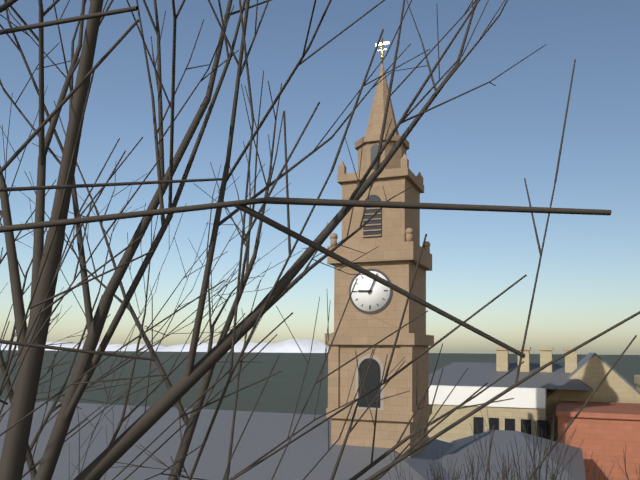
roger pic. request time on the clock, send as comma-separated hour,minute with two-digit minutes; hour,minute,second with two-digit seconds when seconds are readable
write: 9,04
